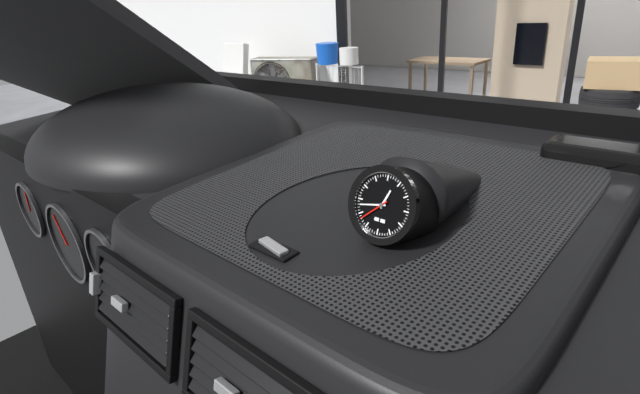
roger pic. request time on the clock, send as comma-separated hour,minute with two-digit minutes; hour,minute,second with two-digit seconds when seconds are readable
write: 12,43
